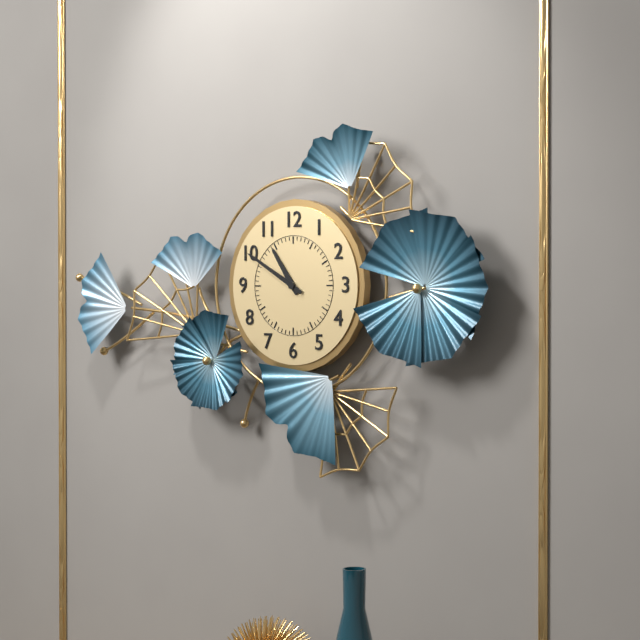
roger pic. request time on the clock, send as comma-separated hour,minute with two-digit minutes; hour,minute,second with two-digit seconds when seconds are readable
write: 10,50
